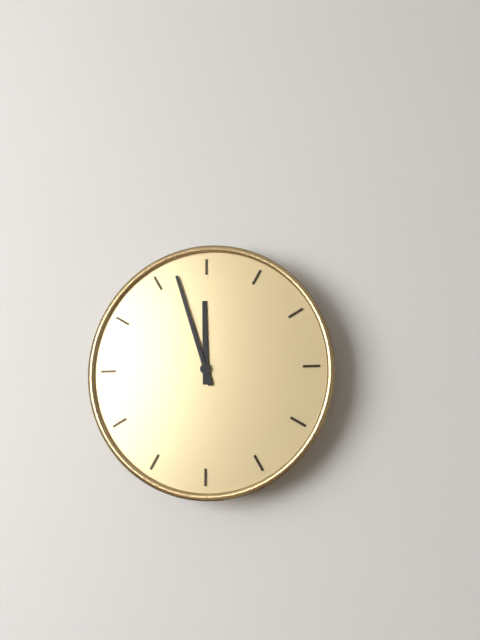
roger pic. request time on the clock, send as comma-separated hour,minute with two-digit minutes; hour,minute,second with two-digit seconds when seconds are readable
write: 11,57
